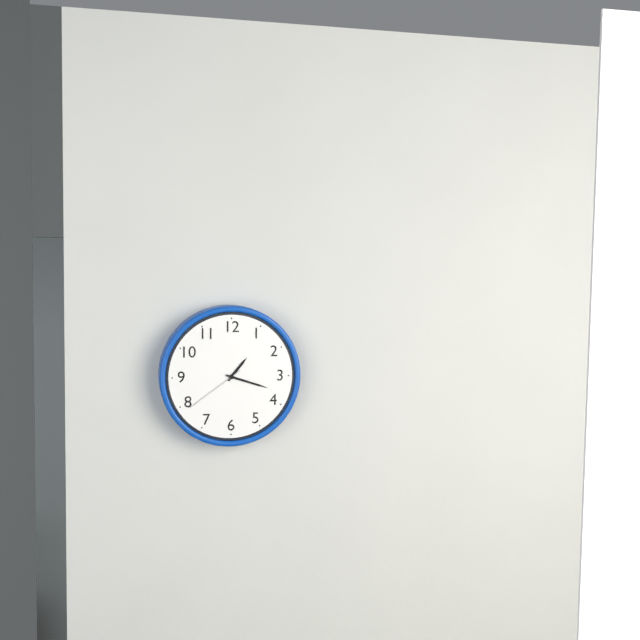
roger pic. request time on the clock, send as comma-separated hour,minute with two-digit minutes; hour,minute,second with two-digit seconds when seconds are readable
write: 1,18,39
